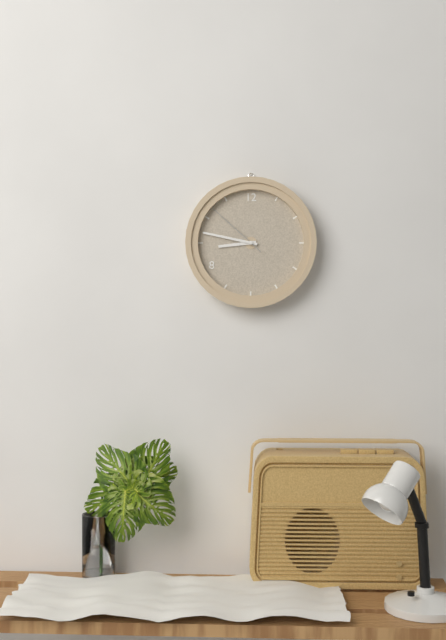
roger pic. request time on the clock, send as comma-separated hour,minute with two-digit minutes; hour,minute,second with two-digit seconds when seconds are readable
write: 8,47,52
